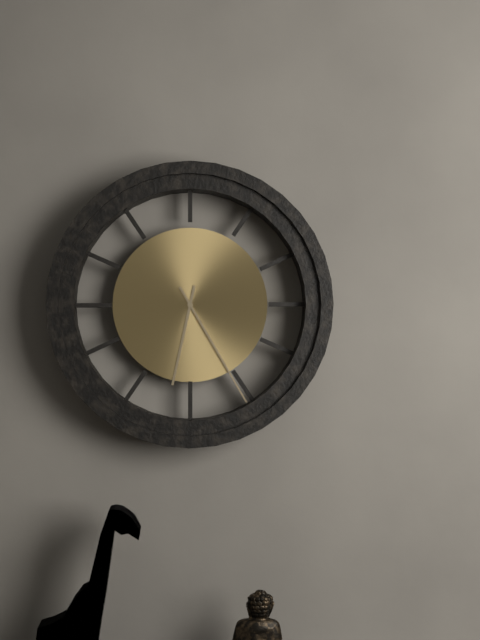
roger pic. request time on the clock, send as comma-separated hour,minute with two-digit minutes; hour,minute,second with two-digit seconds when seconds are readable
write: 6,25
